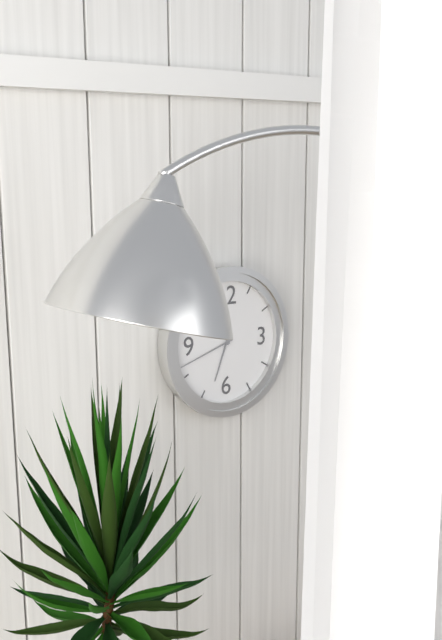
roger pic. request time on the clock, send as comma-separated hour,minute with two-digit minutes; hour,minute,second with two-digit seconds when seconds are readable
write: 6,42
